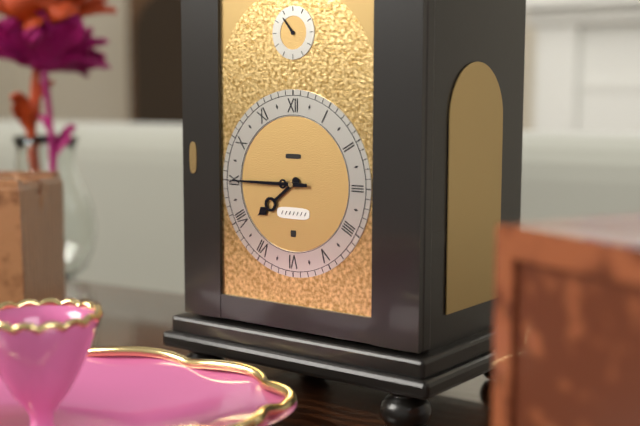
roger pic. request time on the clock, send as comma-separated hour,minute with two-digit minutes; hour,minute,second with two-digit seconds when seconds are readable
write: 7,45
